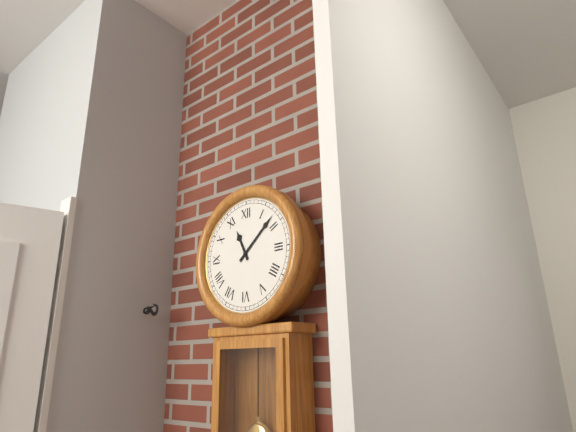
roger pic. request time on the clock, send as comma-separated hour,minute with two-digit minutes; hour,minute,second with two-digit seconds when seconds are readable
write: 11,08
